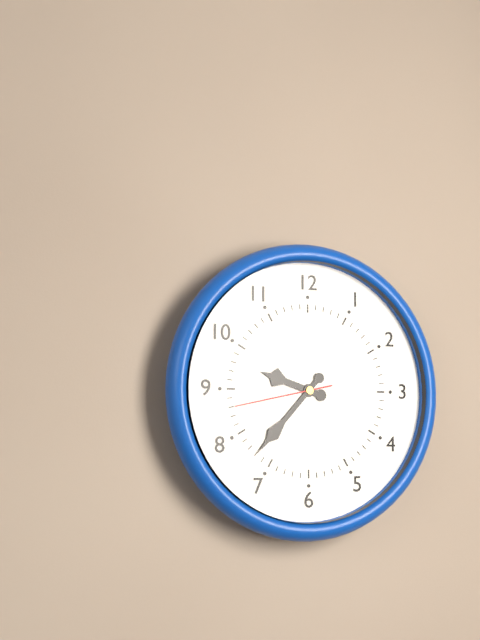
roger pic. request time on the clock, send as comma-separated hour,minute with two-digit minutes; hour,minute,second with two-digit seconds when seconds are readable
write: 9,37,43
